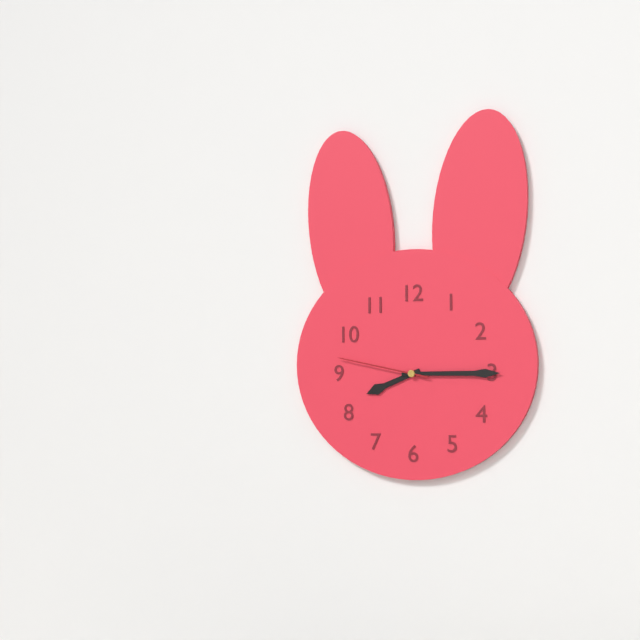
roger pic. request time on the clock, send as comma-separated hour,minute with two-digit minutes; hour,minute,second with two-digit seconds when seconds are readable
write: 8,15,47
